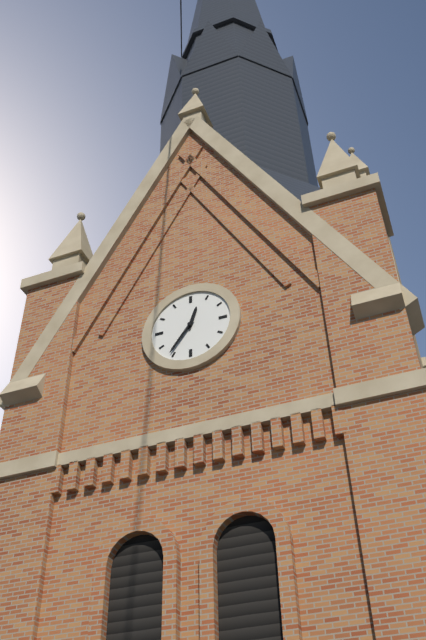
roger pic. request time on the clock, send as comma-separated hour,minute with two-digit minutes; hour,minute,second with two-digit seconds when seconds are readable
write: 12,36
